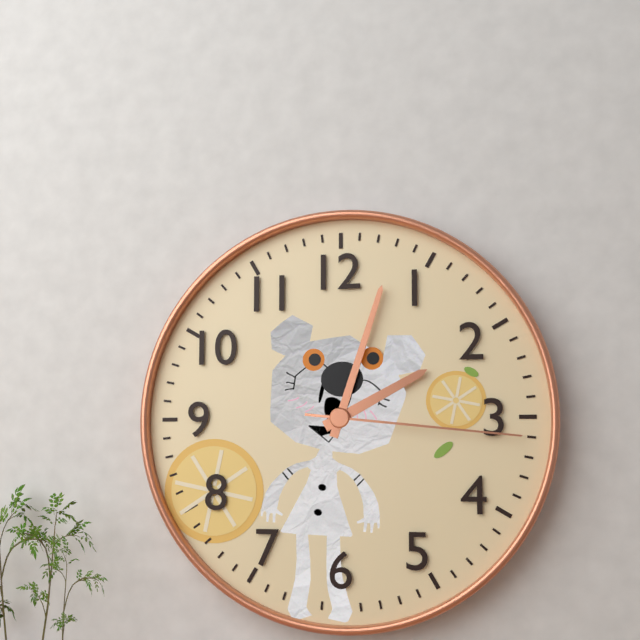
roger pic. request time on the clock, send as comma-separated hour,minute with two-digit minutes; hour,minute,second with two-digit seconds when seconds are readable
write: 2,03,16
